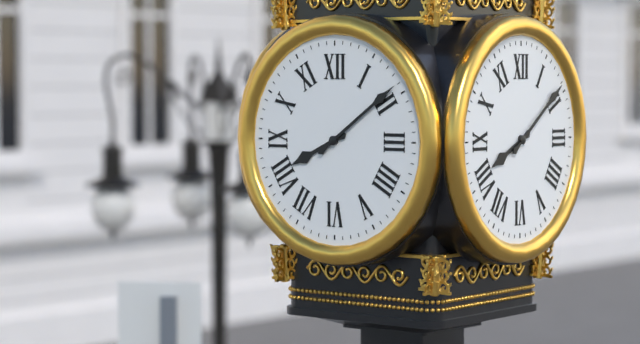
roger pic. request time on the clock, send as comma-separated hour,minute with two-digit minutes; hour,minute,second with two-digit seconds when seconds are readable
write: 8,09
